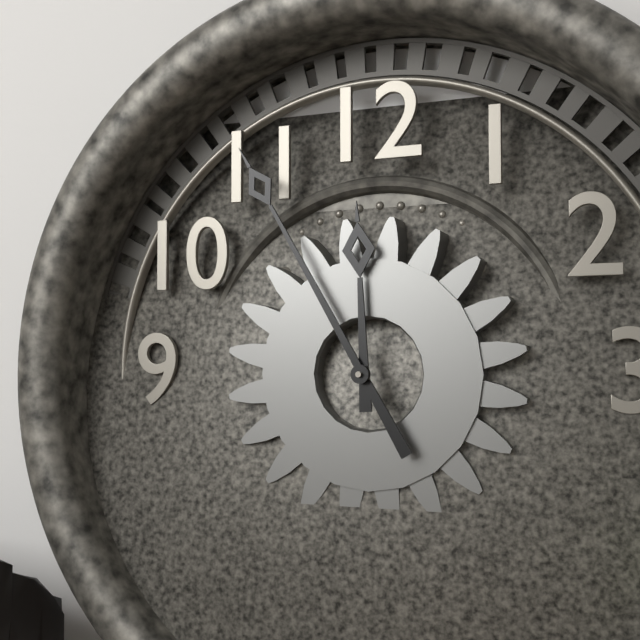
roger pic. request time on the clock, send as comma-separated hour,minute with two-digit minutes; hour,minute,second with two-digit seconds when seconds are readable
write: 11,55
